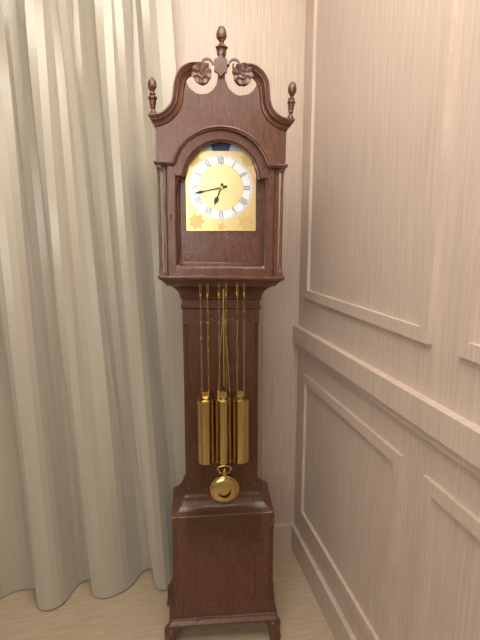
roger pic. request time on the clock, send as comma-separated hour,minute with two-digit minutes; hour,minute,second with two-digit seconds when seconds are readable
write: 6,43
